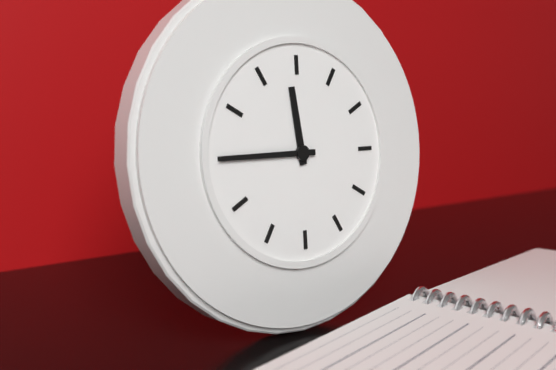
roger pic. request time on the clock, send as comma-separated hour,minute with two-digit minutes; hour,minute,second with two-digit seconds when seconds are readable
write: 11,45
